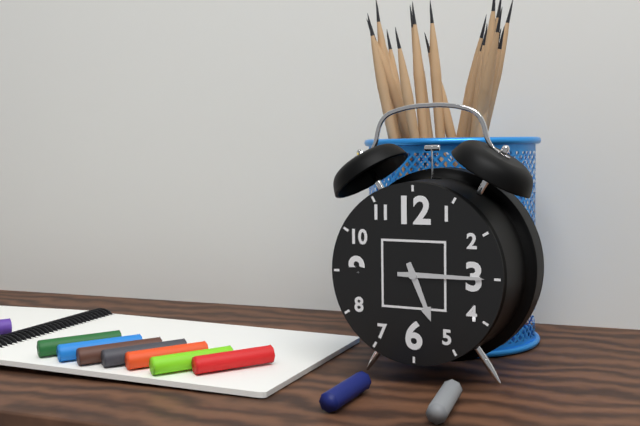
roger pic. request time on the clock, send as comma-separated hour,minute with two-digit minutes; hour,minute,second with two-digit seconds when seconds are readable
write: 5,15
